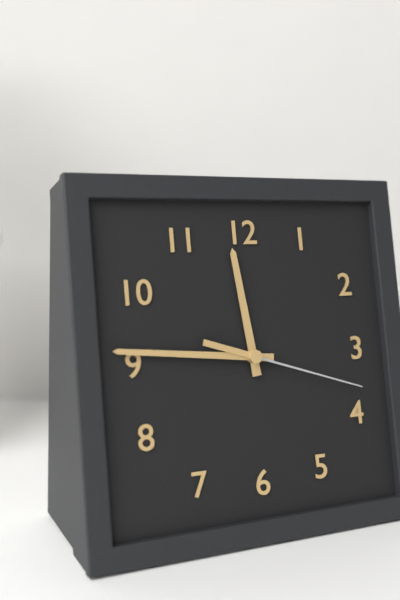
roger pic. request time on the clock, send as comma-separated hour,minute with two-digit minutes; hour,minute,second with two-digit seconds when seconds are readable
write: 11,46,18
